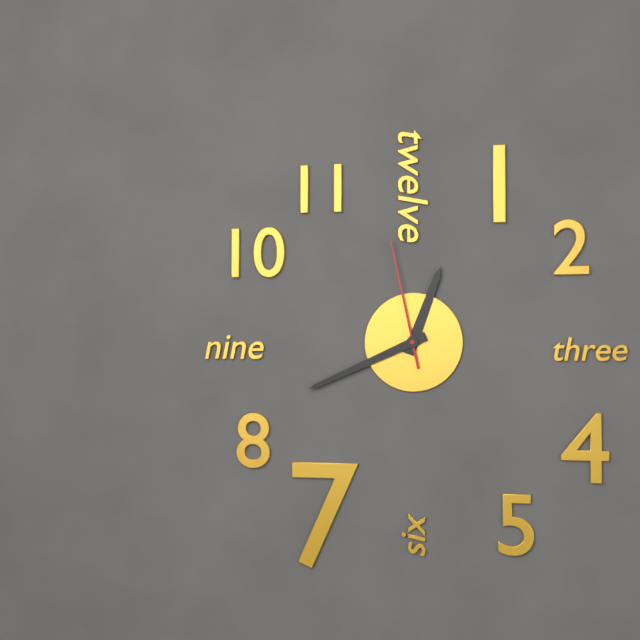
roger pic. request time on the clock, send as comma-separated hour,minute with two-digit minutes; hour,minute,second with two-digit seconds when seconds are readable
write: 12,41,58
